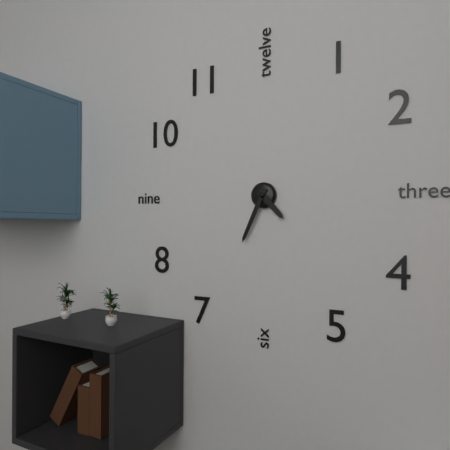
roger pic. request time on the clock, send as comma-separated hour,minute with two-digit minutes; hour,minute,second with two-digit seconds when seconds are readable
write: 4,34
